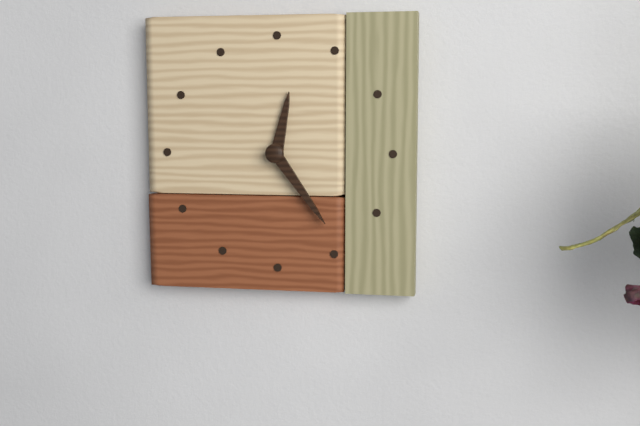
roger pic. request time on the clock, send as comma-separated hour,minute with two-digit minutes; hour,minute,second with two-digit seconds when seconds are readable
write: 12,24
